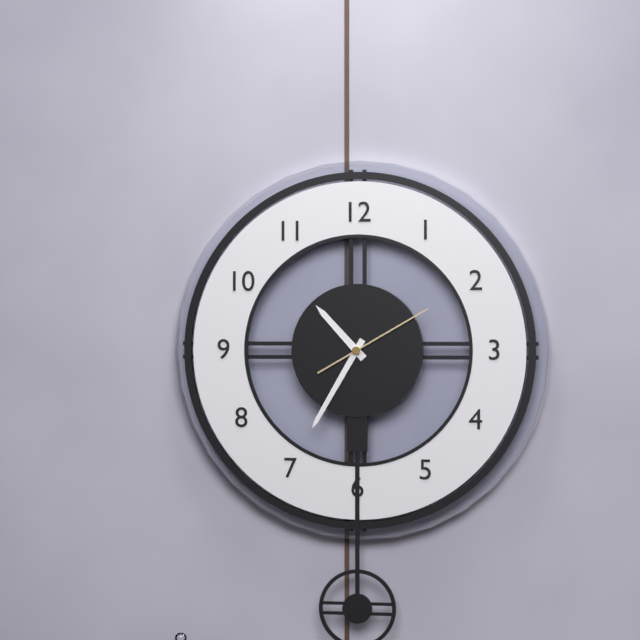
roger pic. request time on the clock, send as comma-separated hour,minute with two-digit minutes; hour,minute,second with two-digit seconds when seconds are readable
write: 10,35,10
